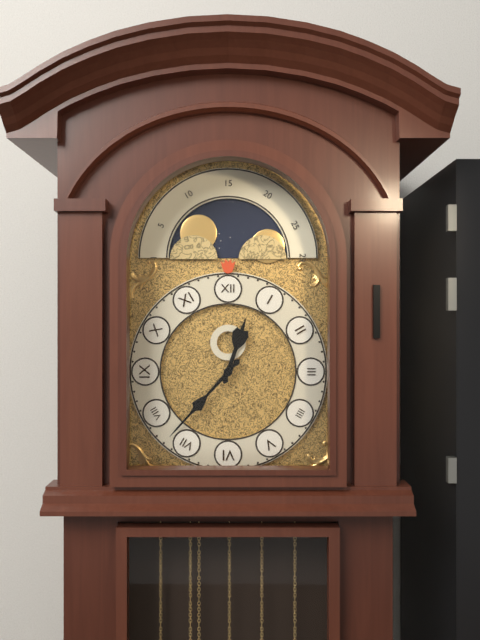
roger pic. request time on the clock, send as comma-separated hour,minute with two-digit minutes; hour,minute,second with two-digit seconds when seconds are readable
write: 12,37
